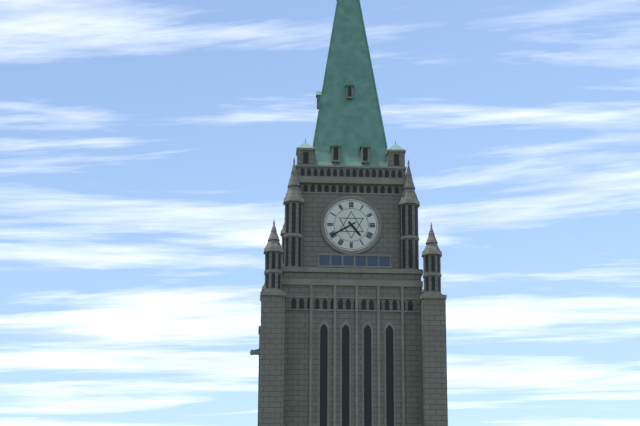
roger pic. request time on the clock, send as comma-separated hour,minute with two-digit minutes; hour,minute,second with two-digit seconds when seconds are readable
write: 4,40
